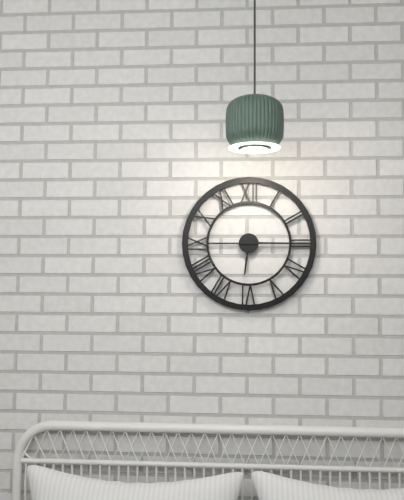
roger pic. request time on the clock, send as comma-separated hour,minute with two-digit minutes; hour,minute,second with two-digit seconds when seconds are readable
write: 6,15
